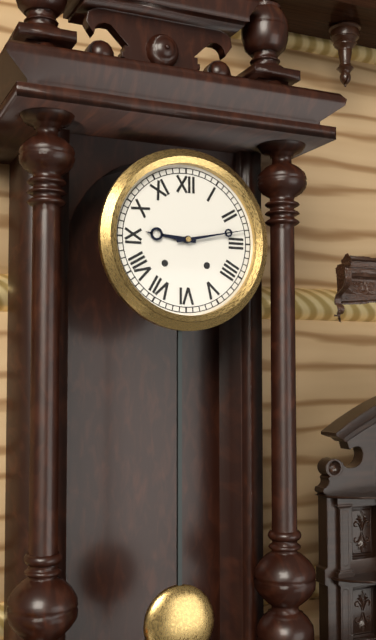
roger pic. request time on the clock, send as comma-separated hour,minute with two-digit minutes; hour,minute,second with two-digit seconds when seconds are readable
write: 9,13
